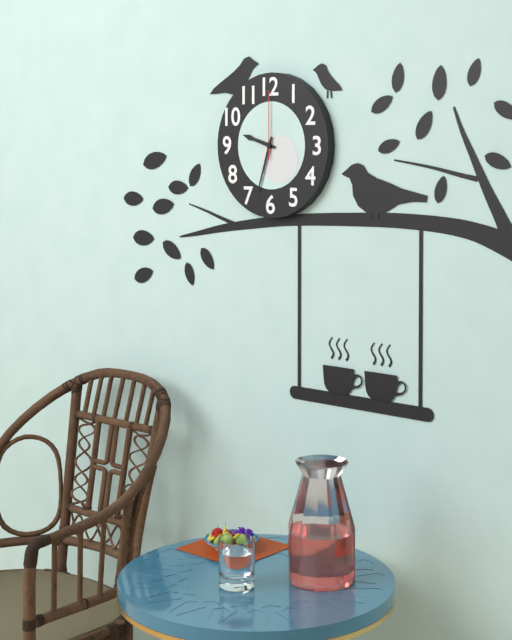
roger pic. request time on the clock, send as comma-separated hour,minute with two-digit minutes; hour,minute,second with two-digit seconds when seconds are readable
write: 9,33,00
